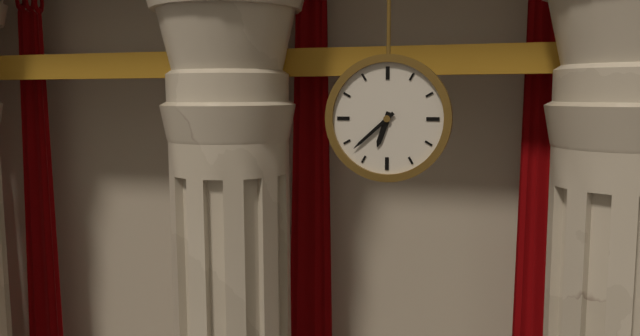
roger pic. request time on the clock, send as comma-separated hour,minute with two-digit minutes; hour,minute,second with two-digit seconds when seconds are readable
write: 6,38
